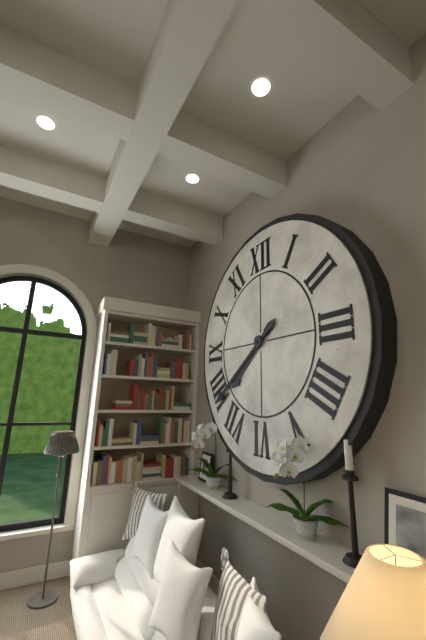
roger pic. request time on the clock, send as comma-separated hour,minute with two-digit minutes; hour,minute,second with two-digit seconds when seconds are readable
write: 7,39
